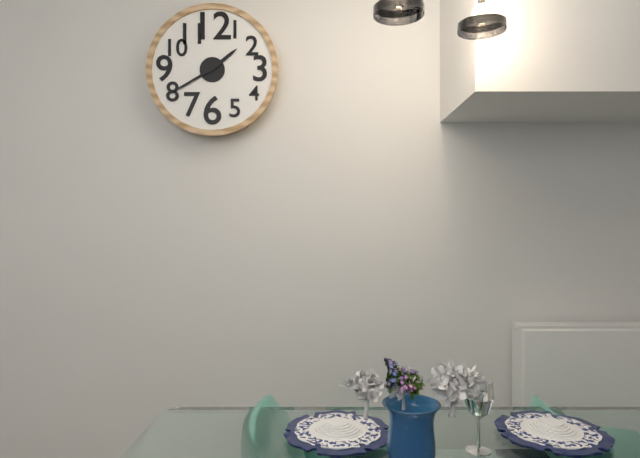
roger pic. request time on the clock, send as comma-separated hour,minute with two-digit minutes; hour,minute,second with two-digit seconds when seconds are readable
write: 1,40
